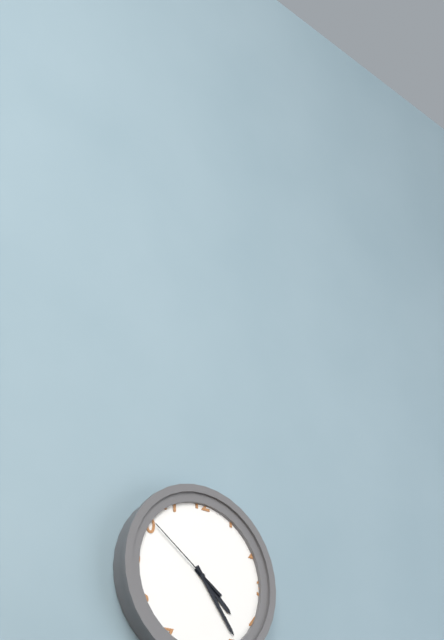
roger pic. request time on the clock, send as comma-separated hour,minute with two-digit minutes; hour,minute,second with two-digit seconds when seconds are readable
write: 4,24,51
